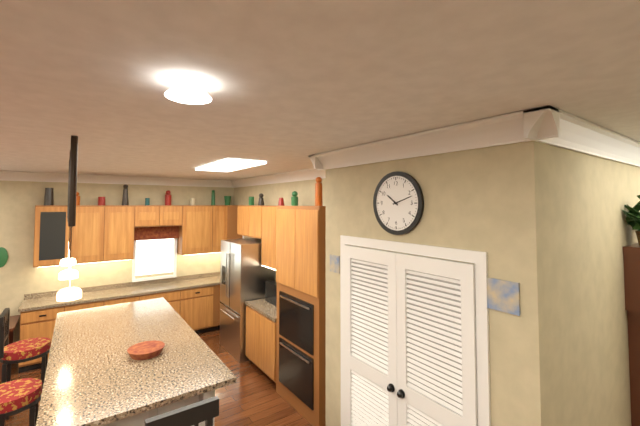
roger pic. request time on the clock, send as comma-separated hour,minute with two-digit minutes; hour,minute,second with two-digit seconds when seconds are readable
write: 10,12
